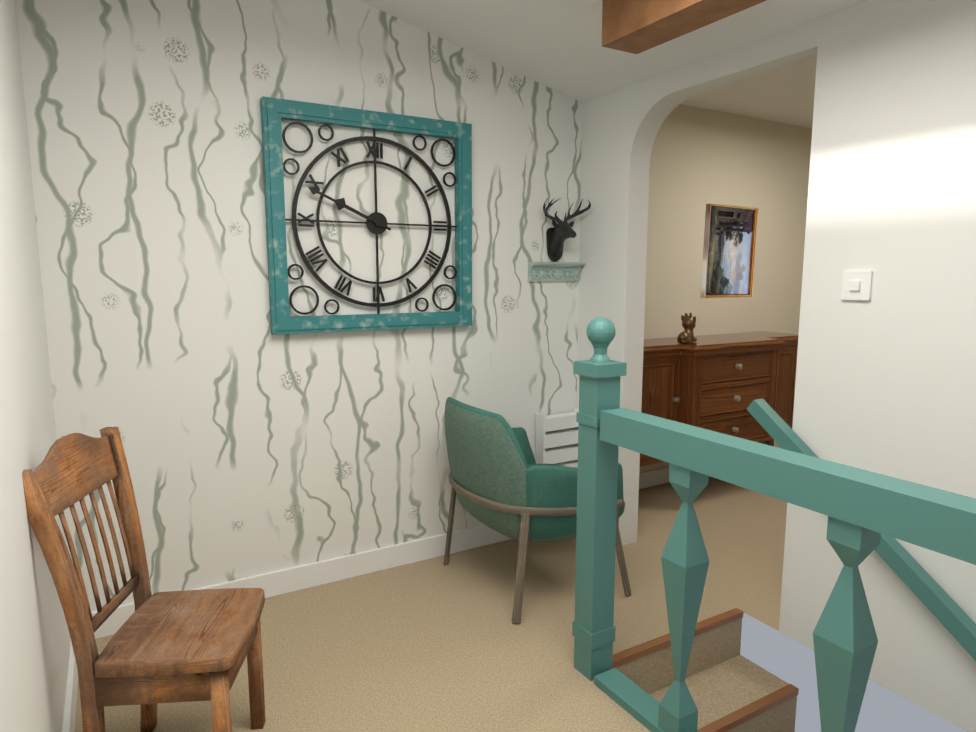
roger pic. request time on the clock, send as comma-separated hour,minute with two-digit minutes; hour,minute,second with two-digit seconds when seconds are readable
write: 9,49
